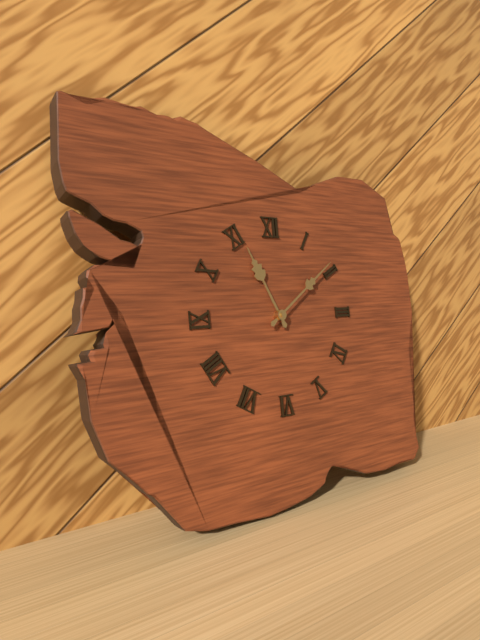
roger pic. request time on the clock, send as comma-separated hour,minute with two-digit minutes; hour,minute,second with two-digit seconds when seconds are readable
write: 11,09
